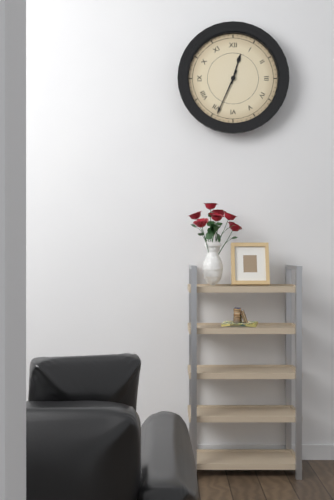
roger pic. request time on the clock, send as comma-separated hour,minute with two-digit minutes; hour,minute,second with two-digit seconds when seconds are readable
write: 12,34
